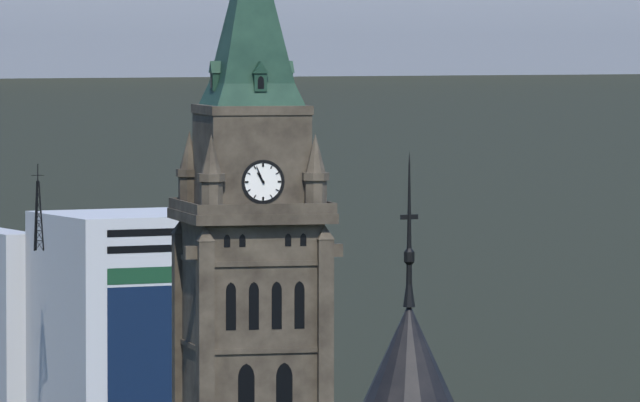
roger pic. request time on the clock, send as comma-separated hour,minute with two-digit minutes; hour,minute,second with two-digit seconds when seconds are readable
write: 10,56
